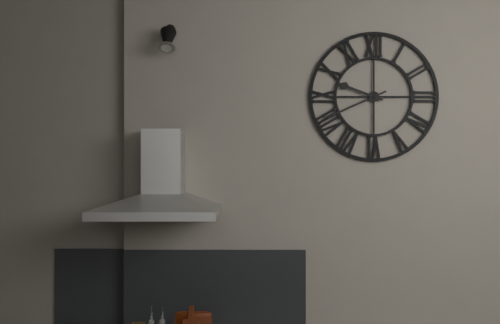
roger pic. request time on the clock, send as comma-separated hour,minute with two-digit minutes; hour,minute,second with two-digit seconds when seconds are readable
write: 9,41
